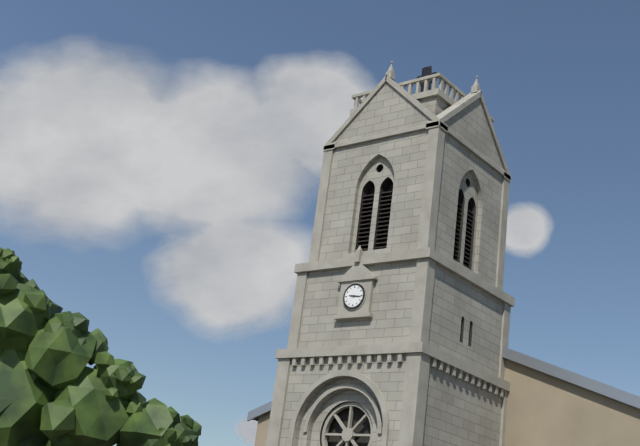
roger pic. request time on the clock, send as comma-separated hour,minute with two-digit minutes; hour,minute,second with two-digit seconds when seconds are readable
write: 9,16
